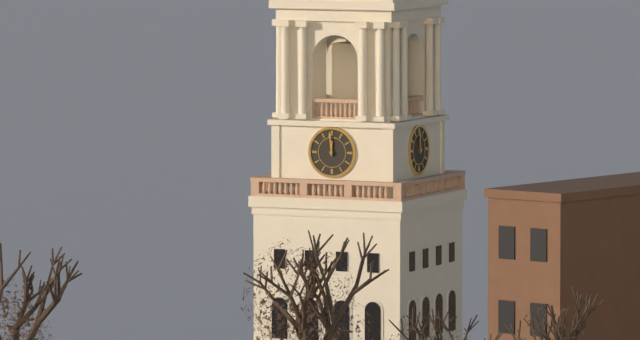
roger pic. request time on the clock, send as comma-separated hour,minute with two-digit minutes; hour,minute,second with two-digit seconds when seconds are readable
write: 11,59
